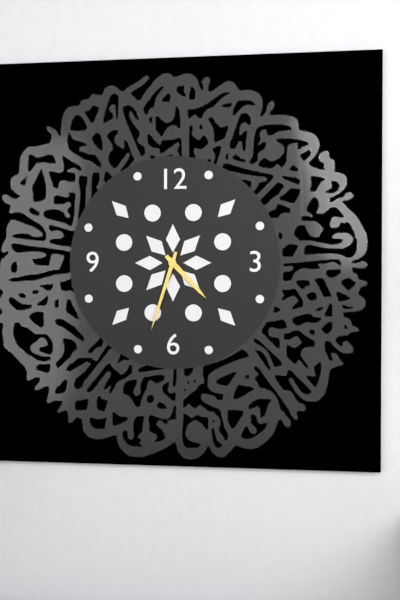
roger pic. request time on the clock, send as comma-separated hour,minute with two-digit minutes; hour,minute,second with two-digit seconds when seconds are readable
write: 4,33
